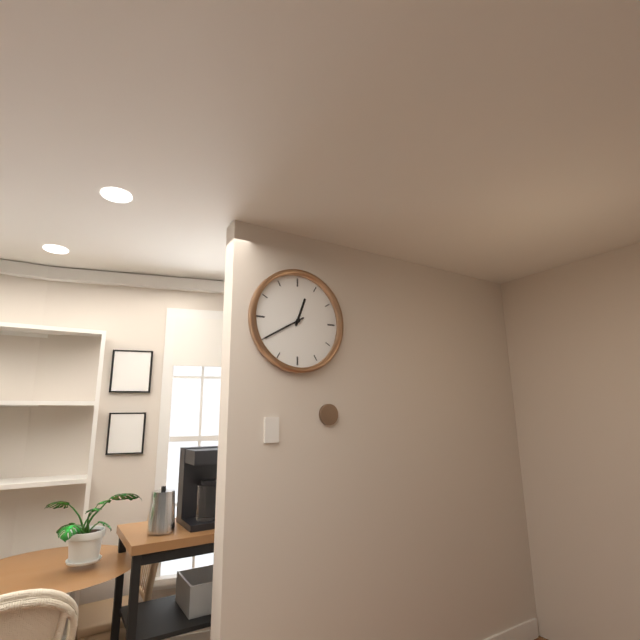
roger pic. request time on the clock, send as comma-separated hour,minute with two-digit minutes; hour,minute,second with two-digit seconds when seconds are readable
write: 12,40
